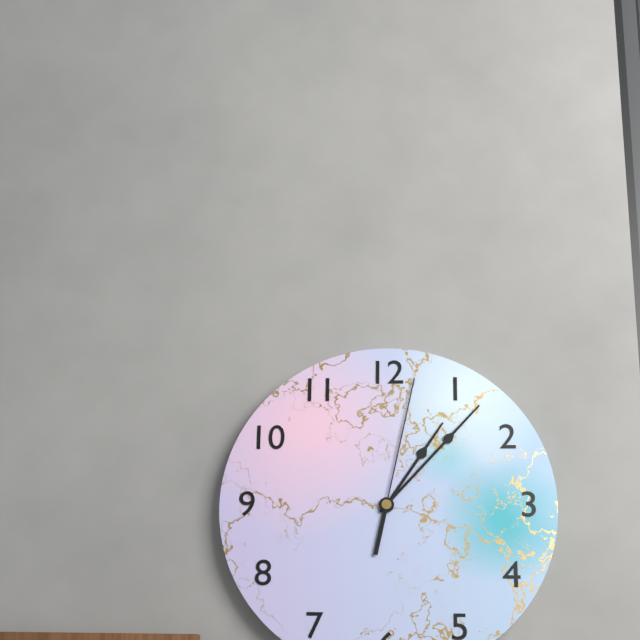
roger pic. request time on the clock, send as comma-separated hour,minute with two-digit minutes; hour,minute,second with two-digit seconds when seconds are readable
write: 1,07,02
